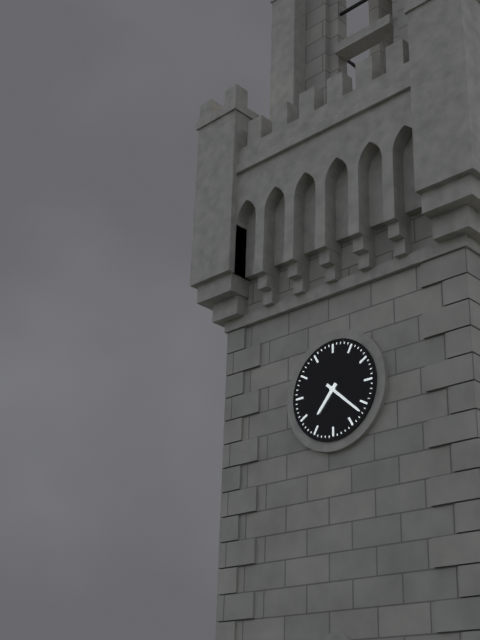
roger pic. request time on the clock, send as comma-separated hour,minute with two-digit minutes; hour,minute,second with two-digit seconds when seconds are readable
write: 7,22
